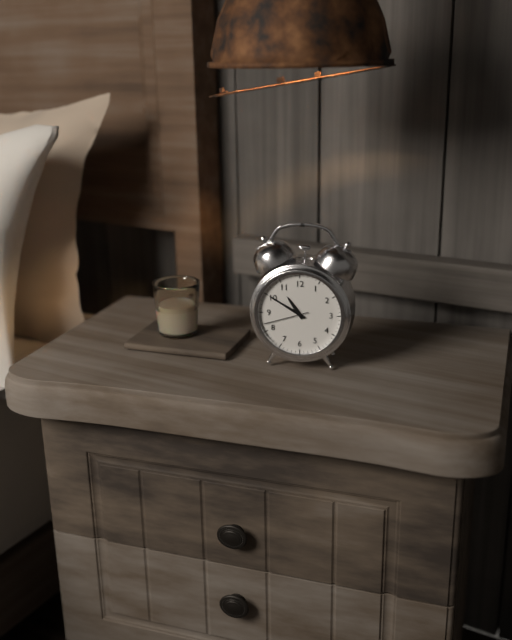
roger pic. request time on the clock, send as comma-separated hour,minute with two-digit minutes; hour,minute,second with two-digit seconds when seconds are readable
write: 10,50
